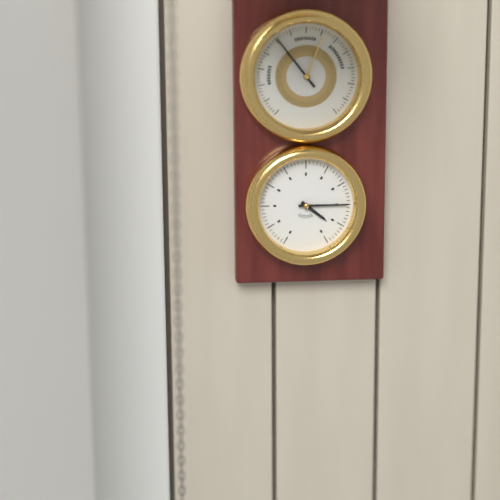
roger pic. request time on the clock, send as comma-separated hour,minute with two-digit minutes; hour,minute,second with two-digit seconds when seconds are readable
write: 4,15
